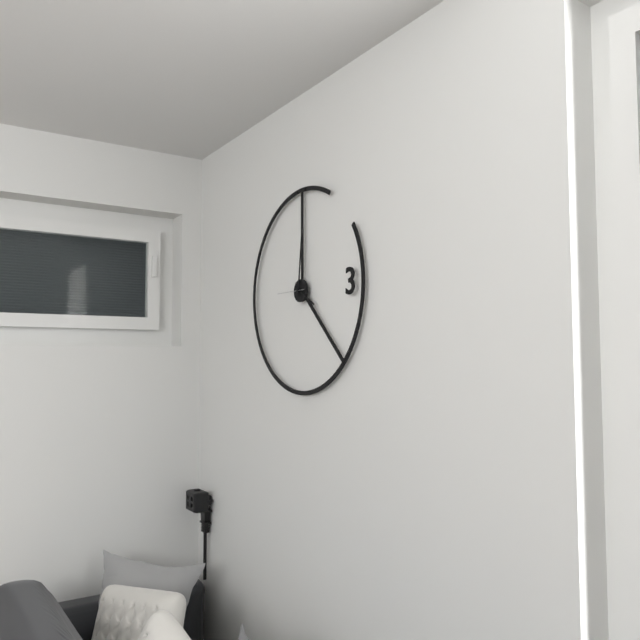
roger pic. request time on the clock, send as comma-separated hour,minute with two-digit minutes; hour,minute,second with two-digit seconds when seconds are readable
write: 4,01
